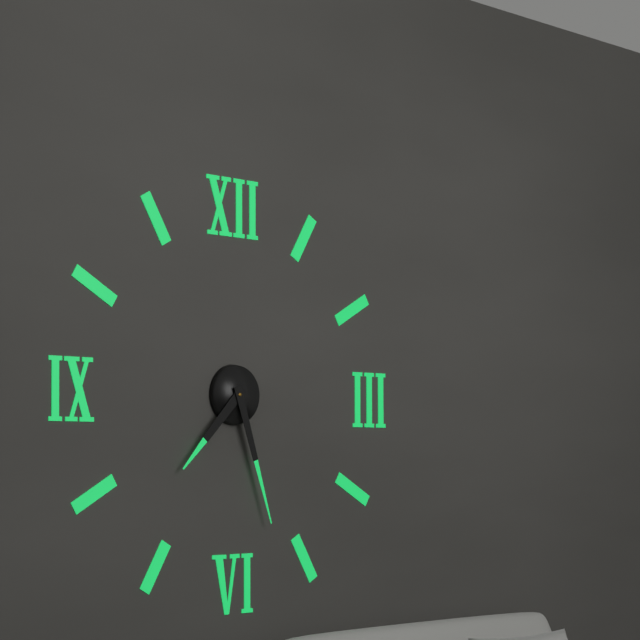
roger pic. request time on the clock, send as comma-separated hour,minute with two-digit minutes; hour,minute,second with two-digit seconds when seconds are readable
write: 7,27
